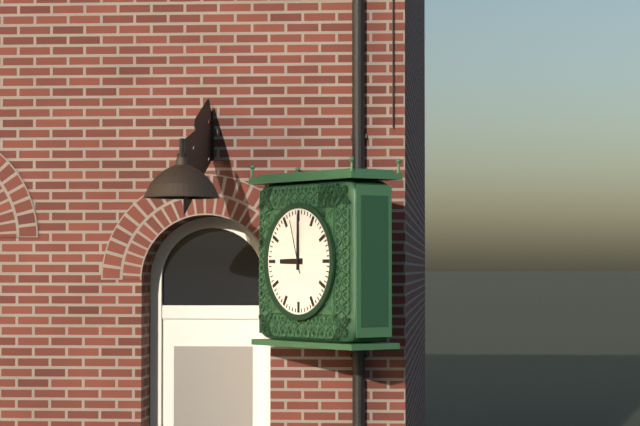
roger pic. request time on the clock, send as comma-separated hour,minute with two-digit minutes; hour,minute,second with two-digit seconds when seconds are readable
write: 9,00,57
